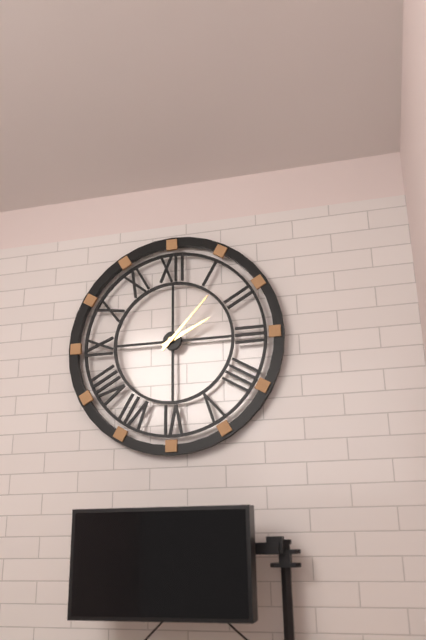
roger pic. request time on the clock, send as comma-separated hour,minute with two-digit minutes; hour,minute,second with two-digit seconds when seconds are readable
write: 2,07
